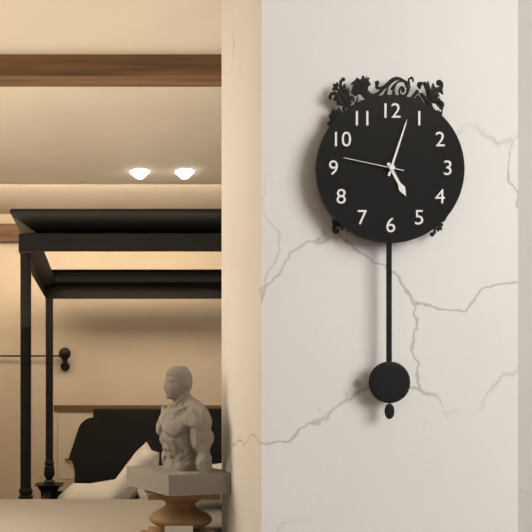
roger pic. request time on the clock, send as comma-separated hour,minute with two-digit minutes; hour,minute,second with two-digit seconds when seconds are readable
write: 5,03,47
